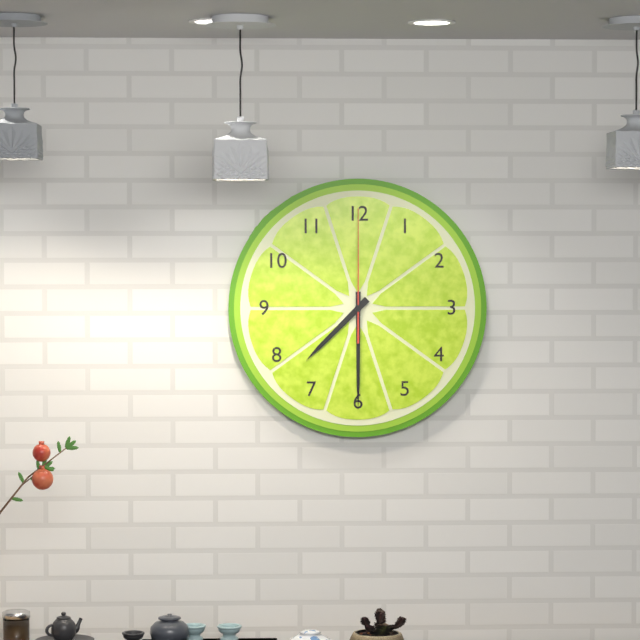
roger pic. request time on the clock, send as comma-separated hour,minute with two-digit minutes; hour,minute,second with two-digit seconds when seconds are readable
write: 7,30,00
